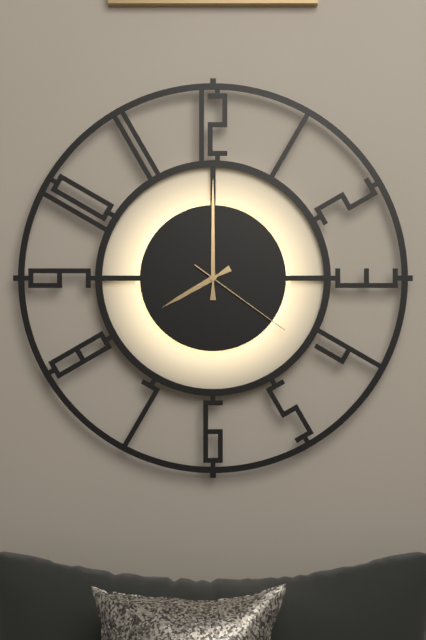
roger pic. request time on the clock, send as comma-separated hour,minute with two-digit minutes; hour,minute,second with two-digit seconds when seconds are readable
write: 8,00,21
